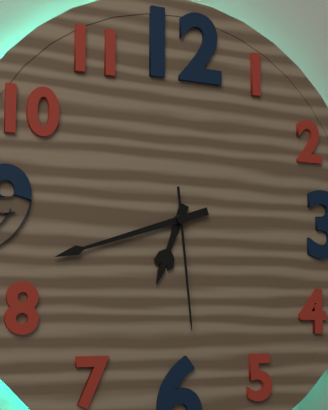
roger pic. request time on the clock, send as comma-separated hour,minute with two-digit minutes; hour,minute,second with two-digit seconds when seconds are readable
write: 6,42,29
